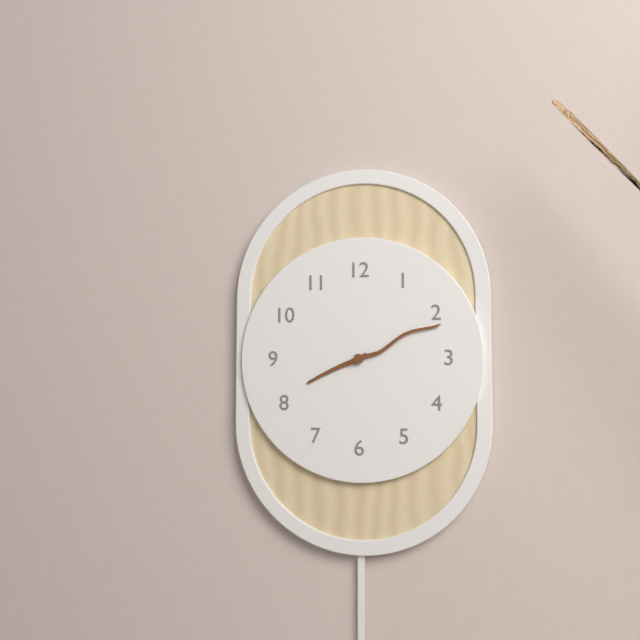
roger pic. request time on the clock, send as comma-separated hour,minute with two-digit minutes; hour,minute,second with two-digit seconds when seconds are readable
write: 8,11
